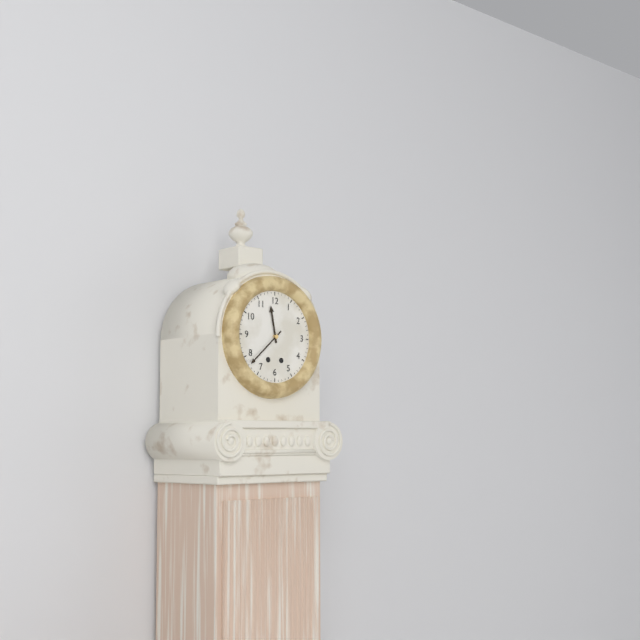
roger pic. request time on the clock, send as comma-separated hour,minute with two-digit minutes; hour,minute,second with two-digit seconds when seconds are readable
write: 11,38
